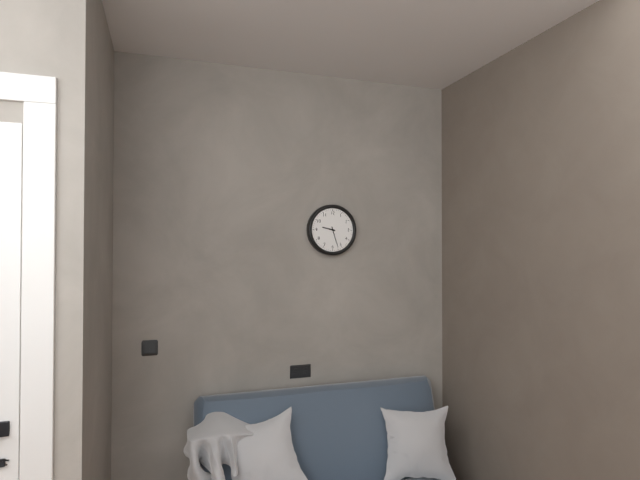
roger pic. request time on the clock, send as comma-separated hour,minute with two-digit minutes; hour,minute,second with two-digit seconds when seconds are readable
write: 9,27
